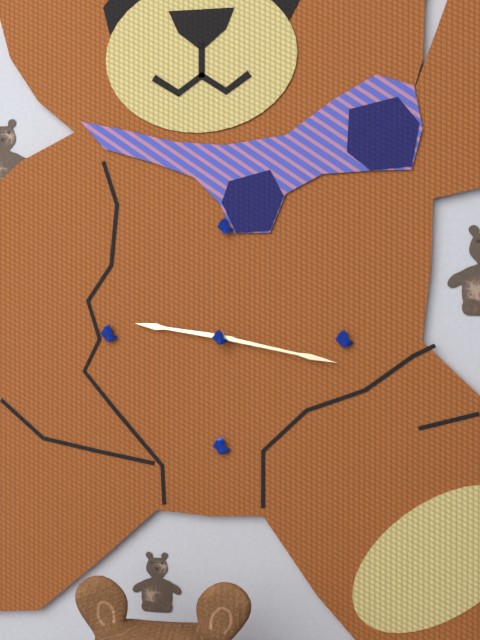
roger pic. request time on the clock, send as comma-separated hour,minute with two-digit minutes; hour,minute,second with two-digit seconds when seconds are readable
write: 9,17
